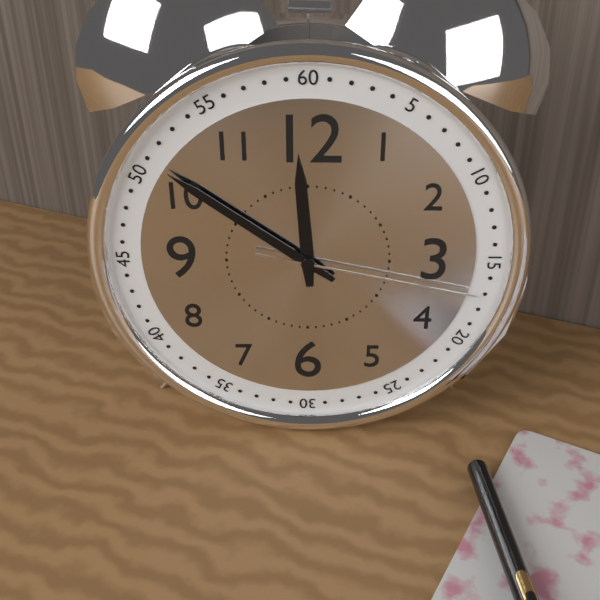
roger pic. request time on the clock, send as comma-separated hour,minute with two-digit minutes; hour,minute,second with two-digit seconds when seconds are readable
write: 11,51,17
